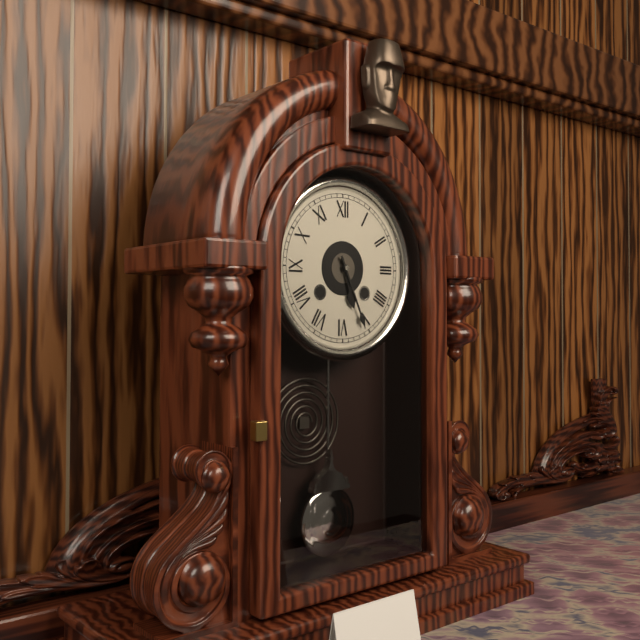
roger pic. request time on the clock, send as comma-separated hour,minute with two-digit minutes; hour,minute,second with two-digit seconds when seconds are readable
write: 5,26
